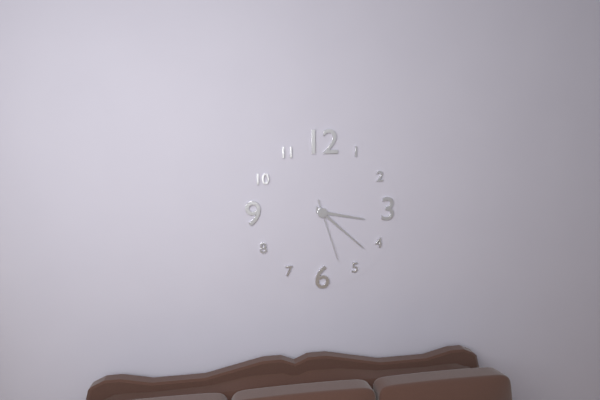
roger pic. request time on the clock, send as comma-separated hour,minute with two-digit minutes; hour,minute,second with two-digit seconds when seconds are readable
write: 3,22,27
